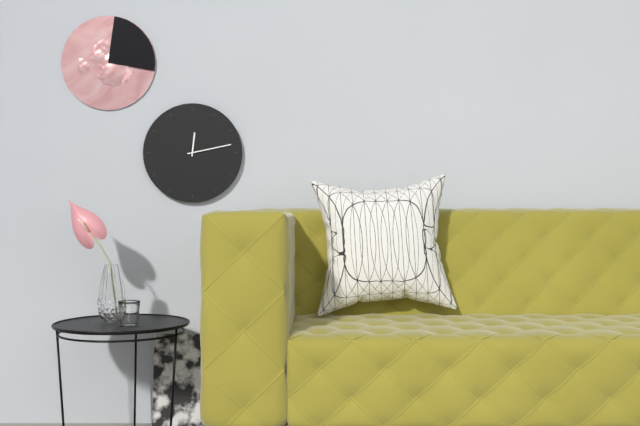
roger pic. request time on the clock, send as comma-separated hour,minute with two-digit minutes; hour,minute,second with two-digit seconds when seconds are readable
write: 12,13
